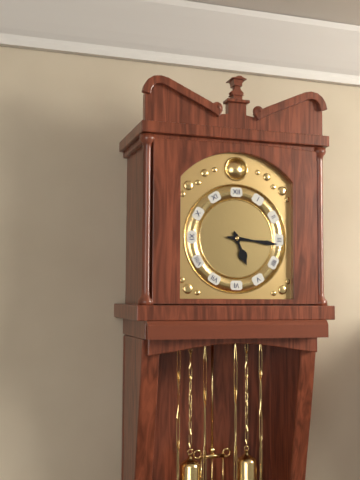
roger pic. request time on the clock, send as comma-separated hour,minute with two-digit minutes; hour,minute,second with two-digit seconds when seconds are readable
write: 5,16
